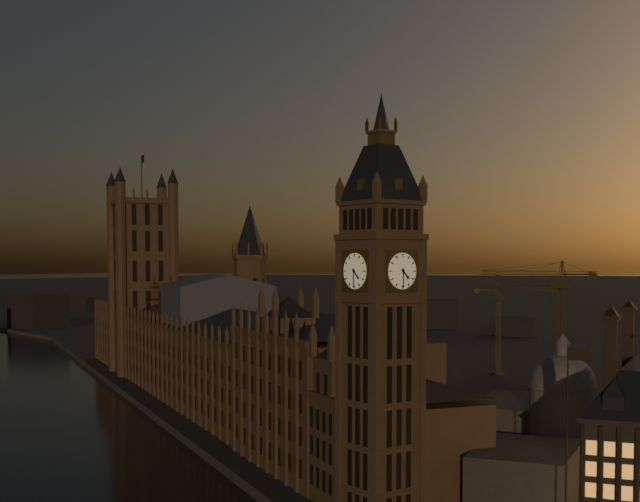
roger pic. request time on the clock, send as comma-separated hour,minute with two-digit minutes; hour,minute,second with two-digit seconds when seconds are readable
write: 4,30
